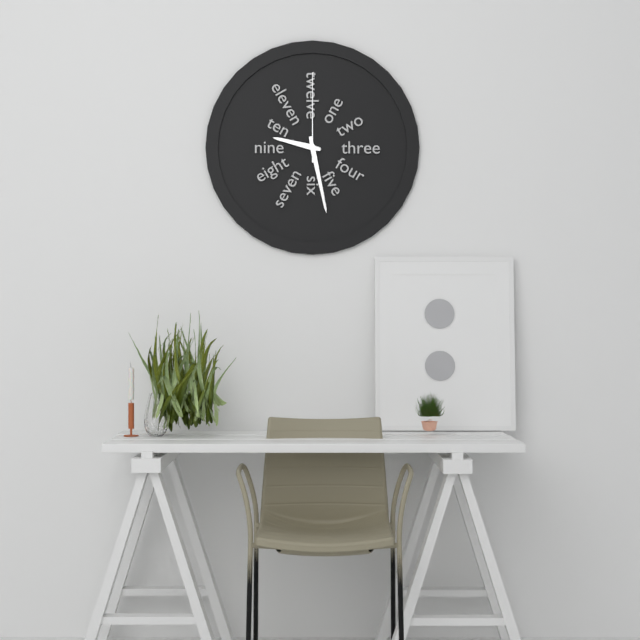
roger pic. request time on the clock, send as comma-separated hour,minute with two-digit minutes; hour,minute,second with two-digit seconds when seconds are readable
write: 9,28,00
